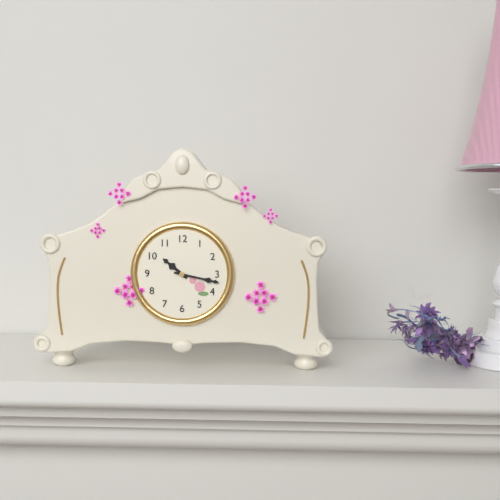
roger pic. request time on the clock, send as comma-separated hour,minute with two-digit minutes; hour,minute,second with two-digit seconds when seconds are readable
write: 10,17
